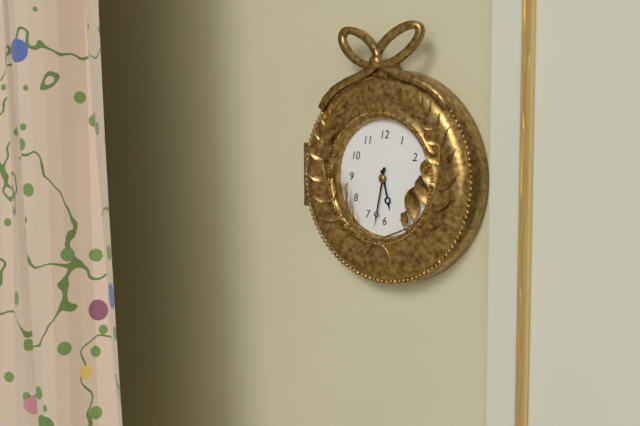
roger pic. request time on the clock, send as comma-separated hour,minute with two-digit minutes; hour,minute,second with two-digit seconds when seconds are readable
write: 5,32
